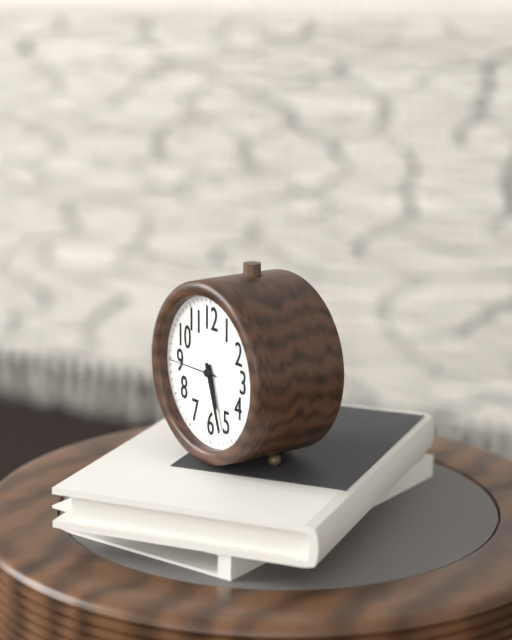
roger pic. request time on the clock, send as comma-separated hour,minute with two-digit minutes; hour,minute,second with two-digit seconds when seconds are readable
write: 5,27,45
